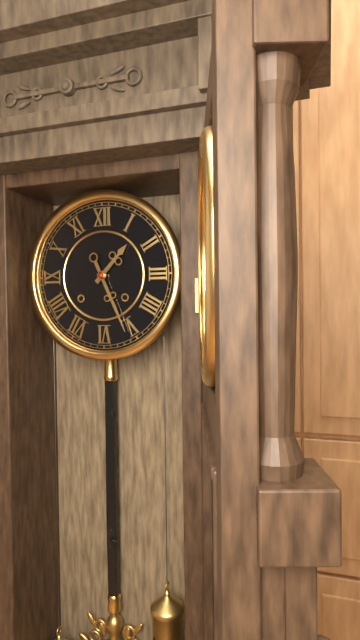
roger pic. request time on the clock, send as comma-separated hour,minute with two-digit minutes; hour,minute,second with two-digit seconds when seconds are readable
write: 1,26
